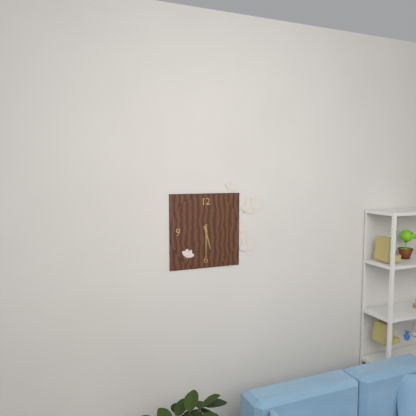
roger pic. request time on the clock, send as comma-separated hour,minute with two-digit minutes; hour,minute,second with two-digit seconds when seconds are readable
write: 5,30
